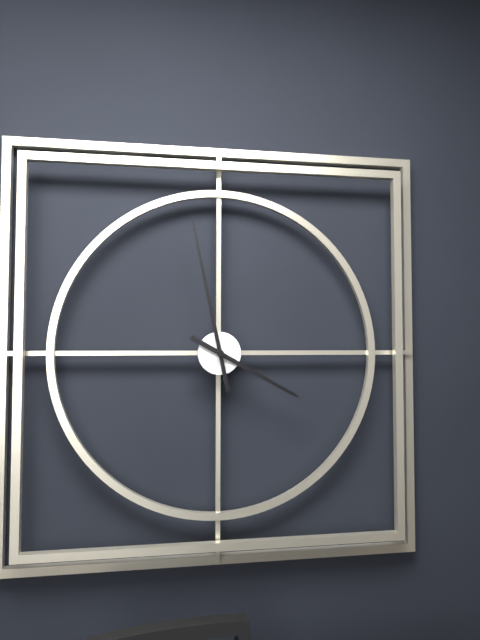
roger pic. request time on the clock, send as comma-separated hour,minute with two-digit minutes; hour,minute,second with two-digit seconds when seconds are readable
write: 3,58
